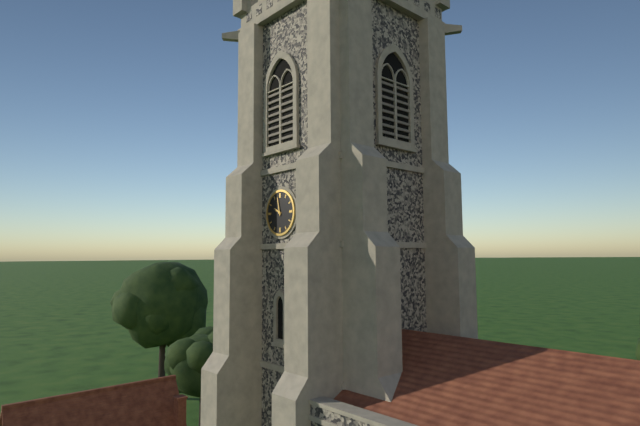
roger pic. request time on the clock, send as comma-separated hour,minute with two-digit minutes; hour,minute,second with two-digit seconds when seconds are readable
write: 9,58
